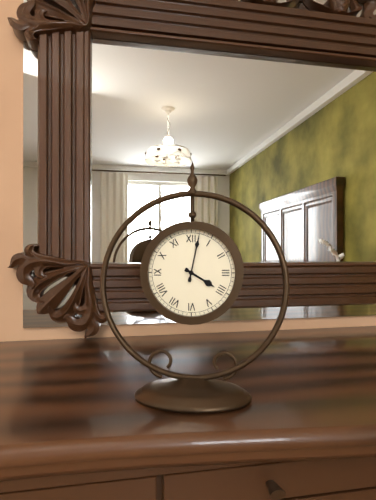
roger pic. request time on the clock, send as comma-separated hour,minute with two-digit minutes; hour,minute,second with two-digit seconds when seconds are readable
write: 4,02
